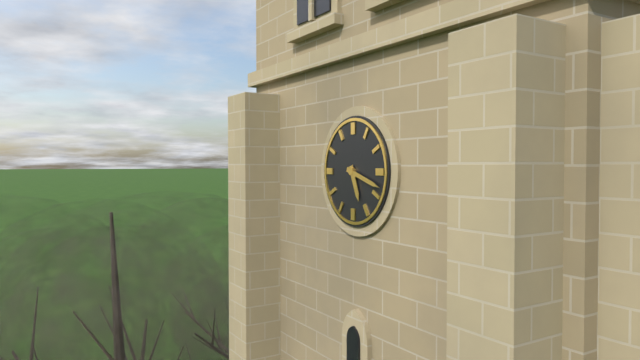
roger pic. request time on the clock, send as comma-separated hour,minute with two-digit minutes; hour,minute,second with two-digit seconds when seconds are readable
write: 5,18
